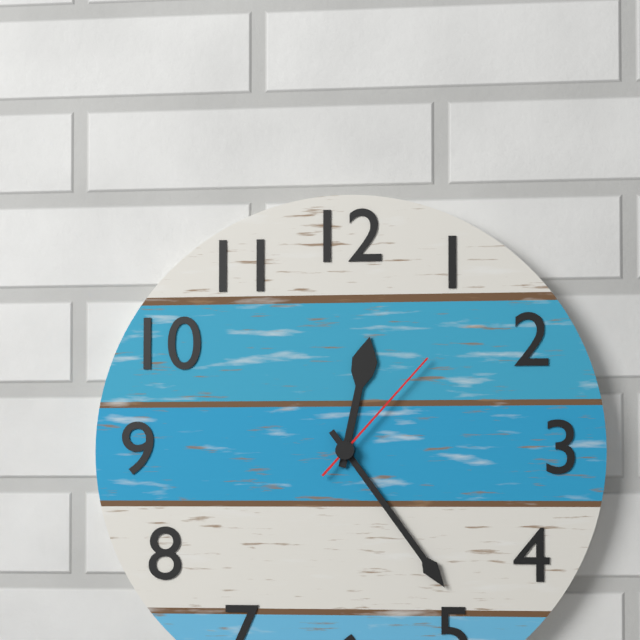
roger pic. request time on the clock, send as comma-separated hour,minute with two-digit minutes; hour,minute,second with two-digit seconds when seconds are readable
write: 12,24,07
